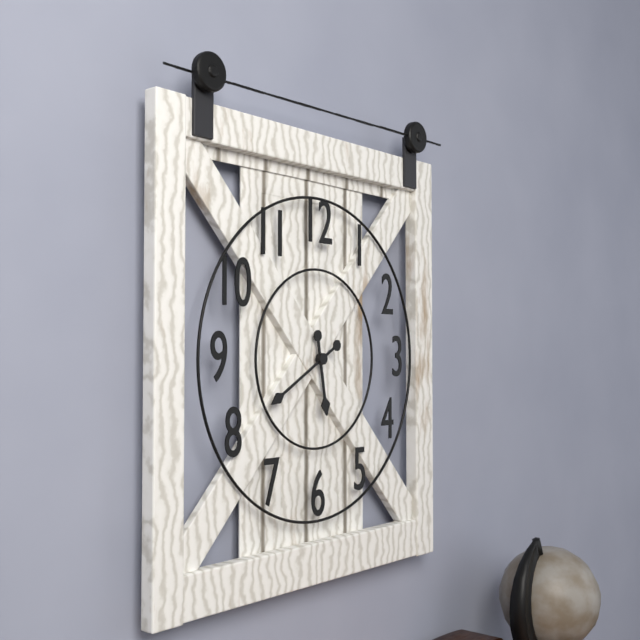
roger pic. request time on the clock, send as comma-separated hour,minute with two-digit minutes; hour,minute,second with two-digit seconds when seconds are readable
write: 5,40
